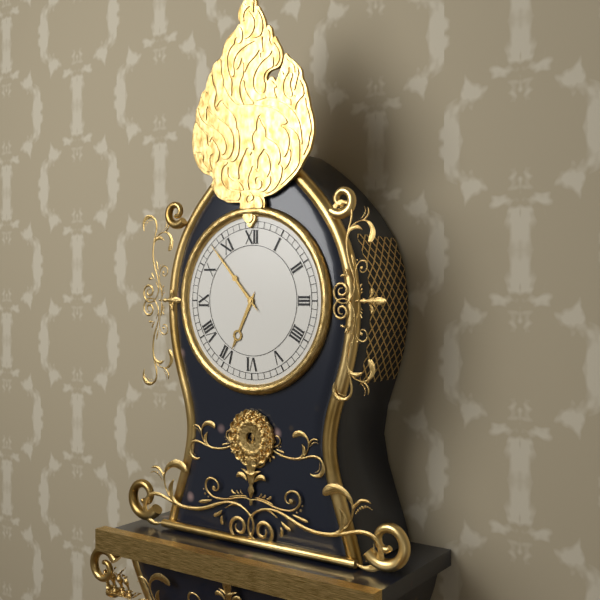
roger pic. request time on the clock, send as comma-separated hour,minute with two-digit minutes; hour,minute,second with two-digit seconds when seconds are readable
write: 6,53
